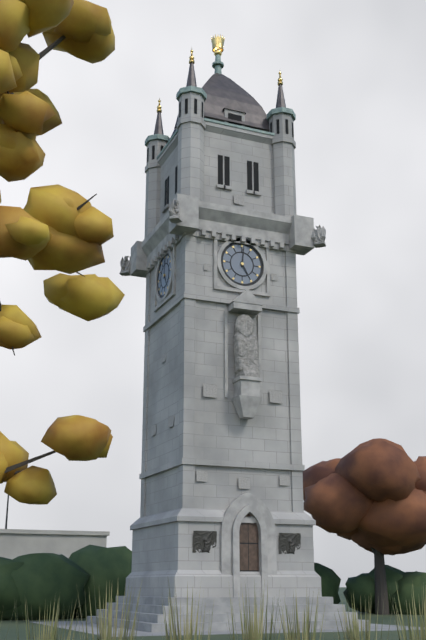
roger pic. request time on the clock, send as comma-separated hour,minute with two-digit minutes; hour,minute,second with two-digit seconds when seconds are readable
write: 5,01
